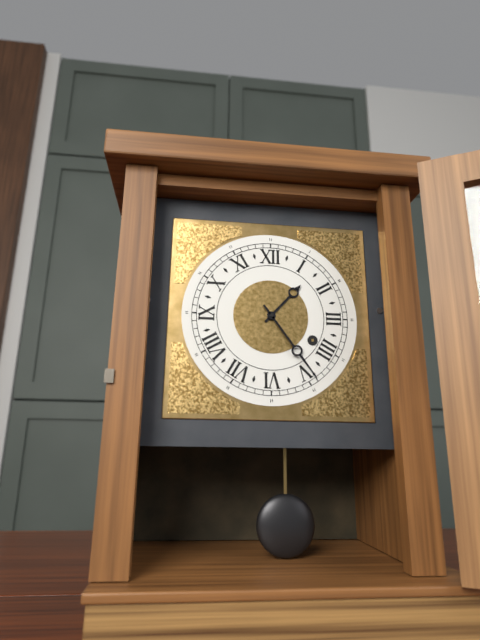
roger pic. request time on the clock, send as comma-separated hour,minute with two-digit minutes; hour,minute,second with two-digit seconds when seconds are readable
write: 1,24
